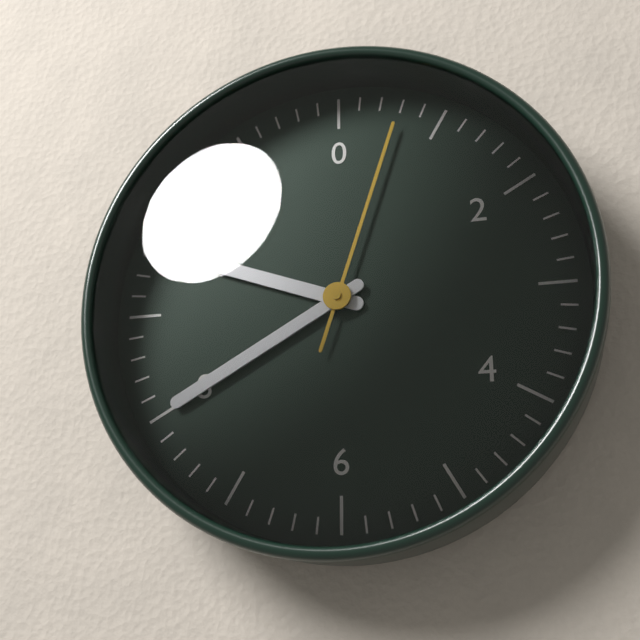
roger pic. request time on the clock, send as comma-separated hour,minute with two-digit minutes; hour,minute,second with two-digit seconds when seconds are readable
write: 9,40,03
